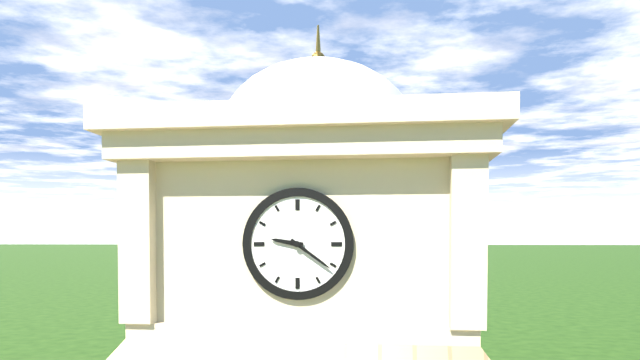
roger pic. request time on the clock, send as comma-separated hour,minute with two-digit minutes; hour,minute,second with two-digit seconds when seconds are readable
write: 9,21
